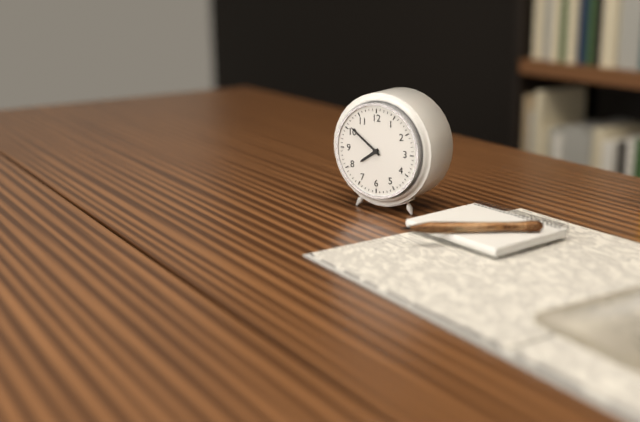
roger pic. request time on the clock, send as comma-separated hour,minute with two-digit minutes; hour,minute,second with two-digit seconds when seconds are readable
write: 7,51
